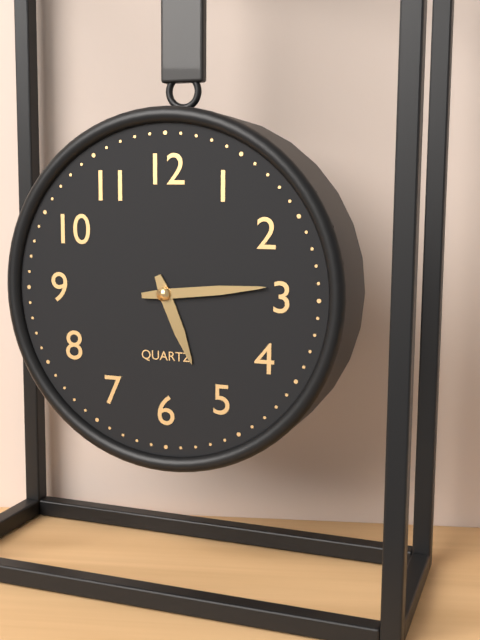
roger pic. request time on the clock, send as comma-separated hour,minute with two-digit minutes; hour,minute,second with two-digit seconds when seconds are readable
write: 5,14
